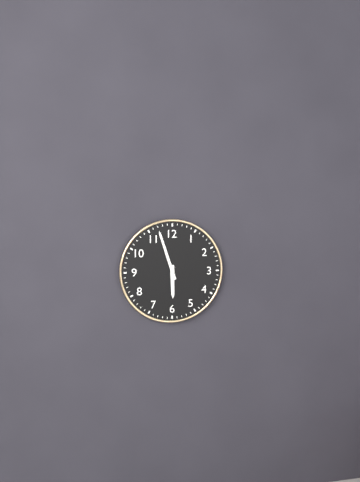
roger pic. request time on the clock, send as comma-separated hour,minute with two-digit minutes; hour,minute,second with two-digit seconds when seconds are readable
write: 5,57
